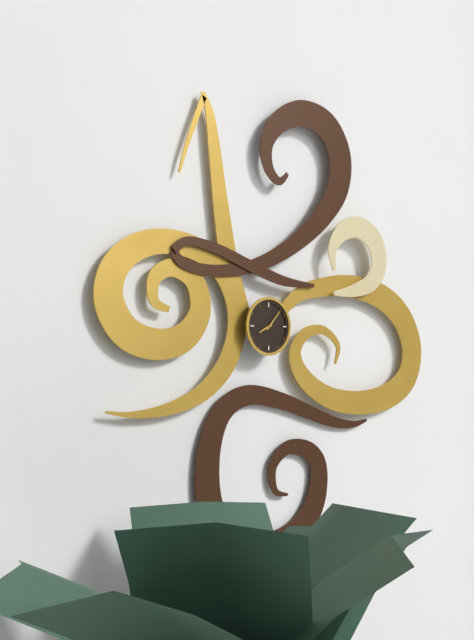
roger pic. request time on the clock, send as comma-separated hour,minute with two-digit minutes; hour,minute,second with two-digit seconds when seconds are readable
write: 8,07
